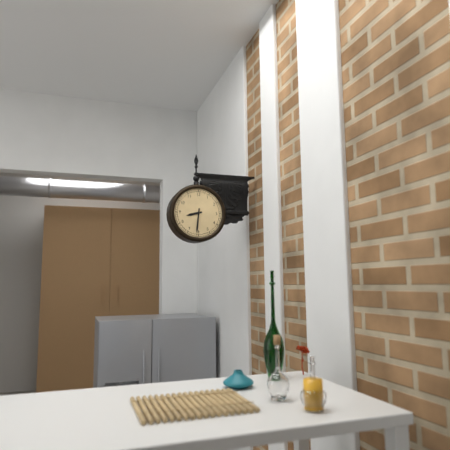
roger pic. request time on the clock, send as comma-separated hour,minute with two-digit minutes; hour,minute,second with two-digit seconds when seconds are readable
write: 8,31
